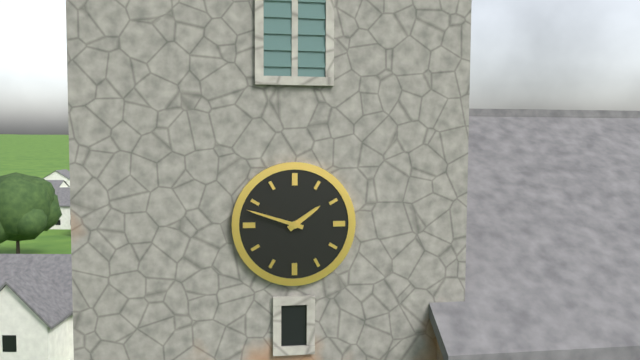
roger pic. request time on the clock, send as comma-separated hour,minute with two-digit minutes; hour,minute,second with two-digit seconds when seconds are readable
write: 1,48
